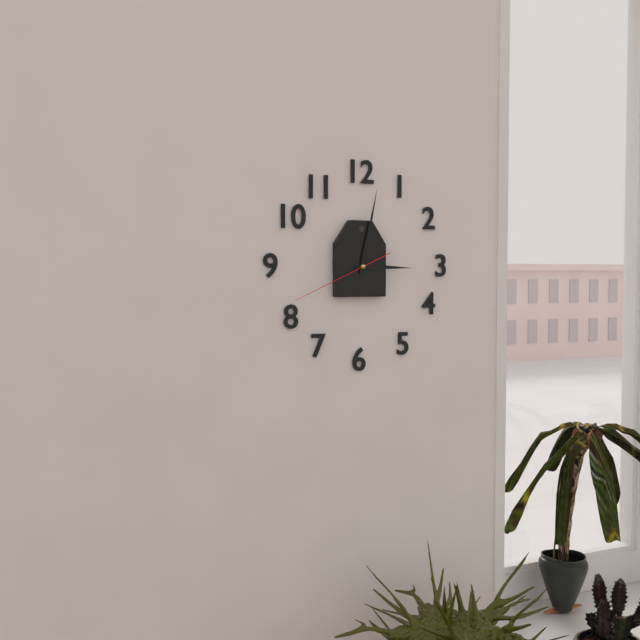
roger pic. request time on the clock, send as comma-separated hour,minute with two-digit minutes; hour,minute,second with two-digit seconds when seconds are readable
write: 3,02,41
